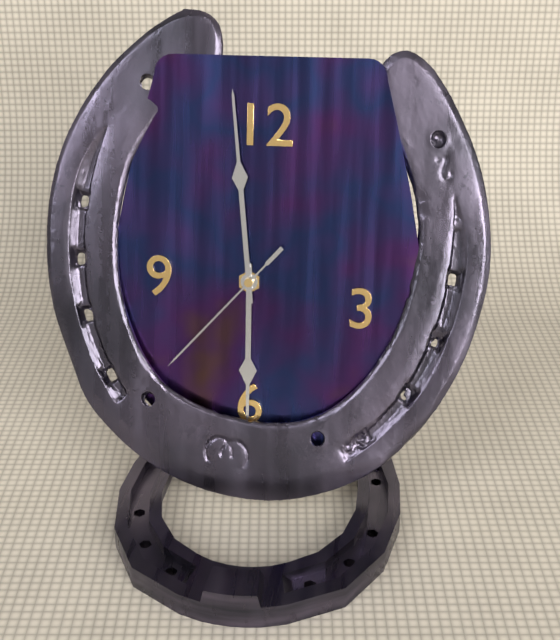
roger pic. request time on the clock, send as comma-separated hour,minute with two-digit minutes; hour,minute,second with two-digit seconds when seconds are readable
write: 5,59,37
